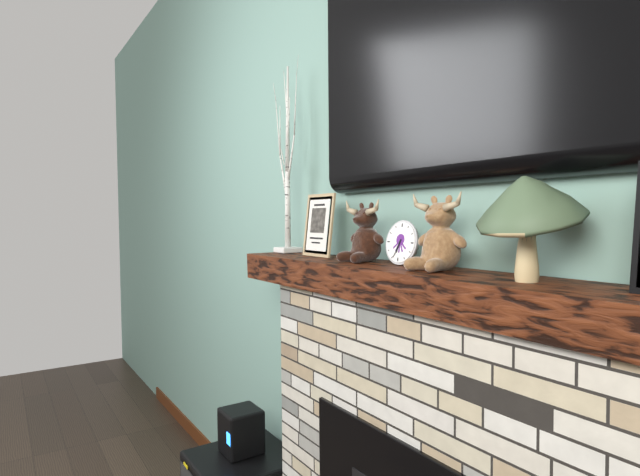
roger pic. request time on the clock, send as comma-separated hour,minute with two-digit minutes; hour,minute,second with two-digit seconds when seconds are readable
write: 6,34
